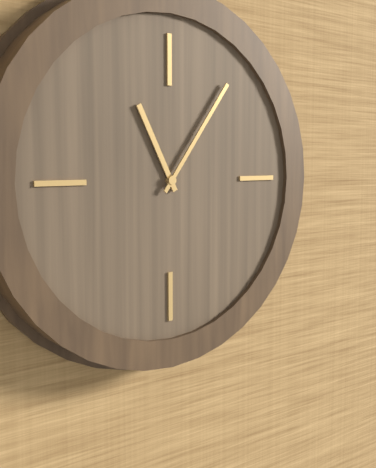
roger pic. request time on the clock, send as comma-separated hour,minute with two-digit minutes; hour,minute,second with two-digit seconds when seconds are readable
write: 11,06
